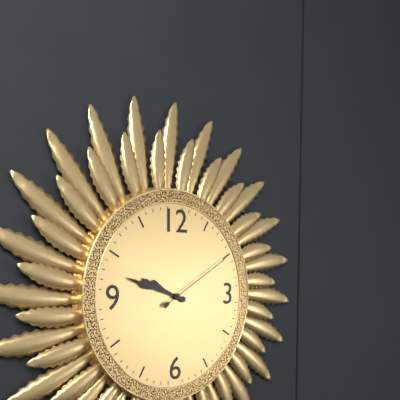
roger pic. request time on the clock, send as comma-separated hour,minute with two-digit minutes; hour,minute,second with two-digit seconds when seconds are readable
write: 9,48,10
